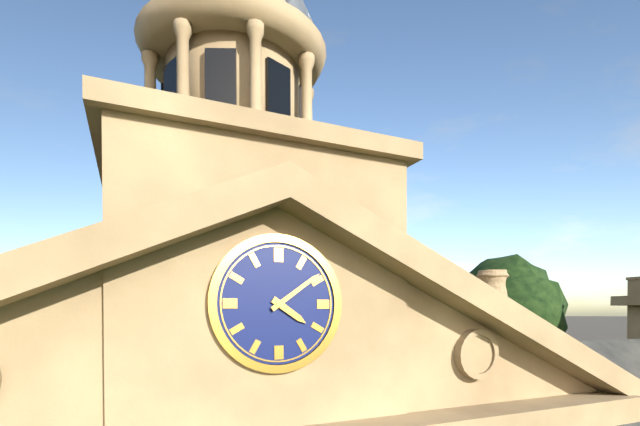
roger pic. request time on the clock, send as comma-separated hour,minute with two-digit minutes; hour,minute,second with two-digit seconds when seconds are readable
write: 4,09
